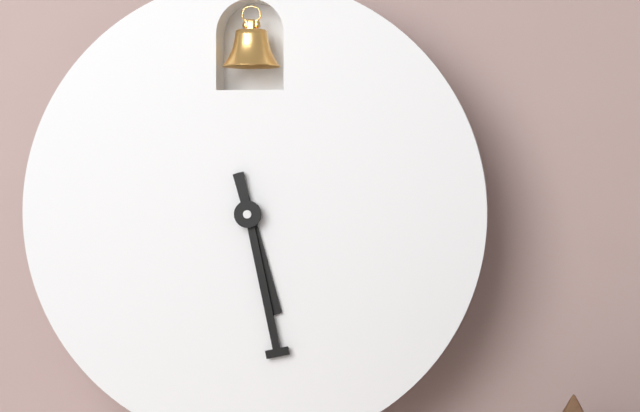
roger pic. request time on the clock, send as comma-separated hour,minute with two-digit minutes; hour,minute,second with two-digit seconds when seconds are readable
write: 5,28
